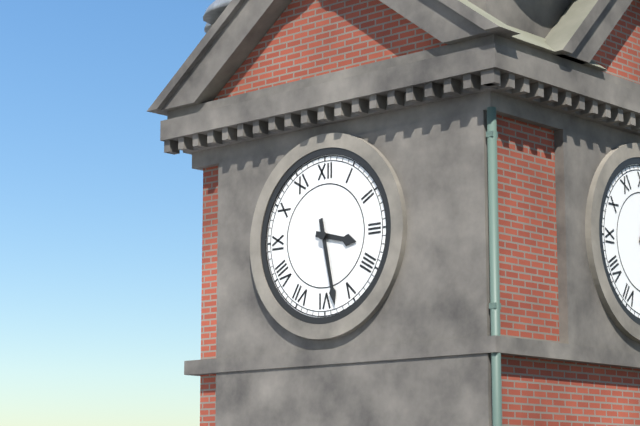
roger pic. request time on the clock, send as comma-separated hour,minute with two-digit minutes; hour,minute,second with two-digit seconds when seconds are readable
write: 3,28
